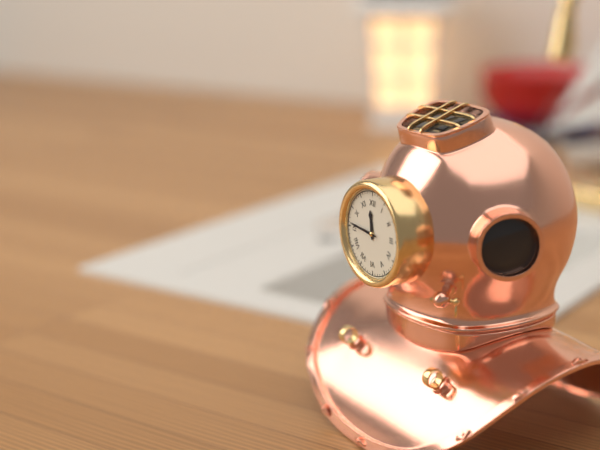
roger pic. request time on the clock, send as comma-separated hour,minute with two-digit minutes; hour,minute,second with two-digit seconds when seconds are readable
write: 11,46
